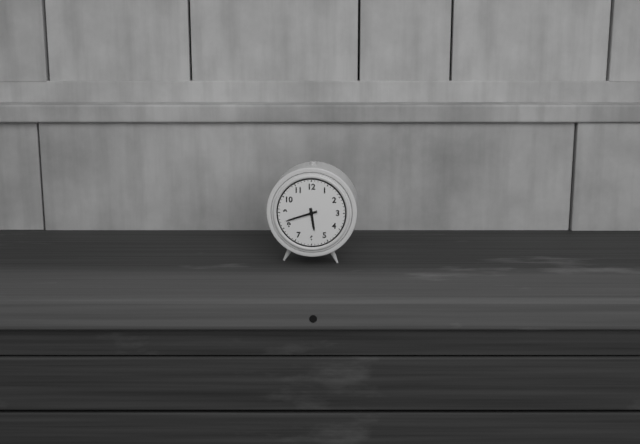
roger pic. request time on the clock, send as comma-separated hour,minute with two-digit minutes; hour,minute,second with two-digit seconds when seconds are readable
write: 5,42
